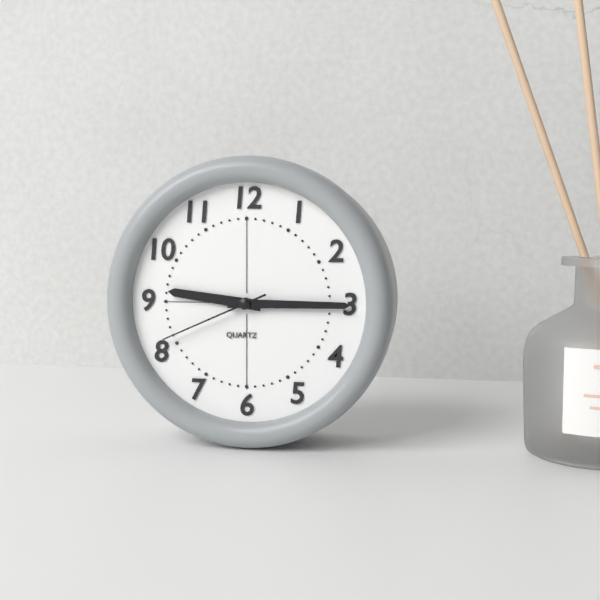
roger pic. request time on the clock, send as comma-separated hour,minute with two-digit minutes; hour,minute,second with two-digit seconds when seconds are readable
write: 9,15,41
